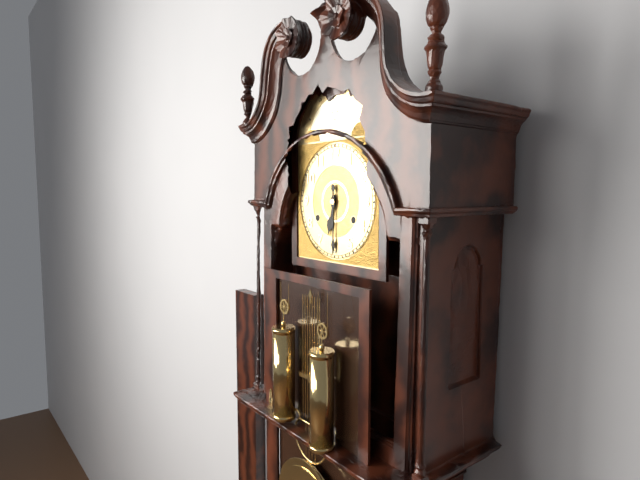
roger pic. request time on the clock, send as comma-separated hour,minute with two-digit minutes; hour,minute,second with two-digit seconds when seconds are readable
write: 6,30
